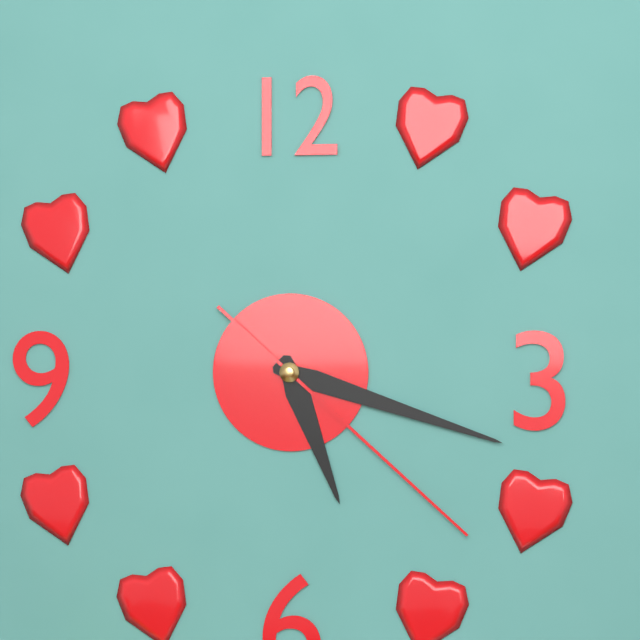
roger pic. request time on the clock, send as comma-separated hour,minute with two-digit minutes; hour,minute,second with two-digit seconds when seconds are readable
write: 5,18,22
